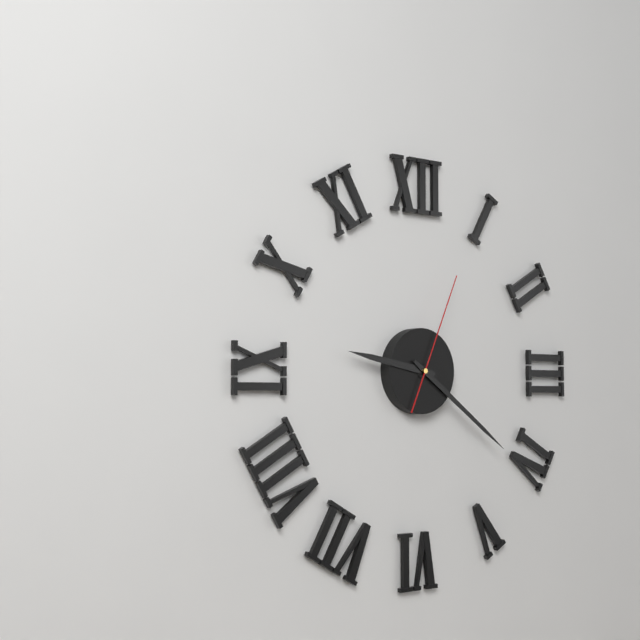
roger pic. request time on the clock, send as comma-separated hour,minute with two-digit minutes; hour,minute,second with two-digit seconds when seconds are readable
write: 9,21,04
